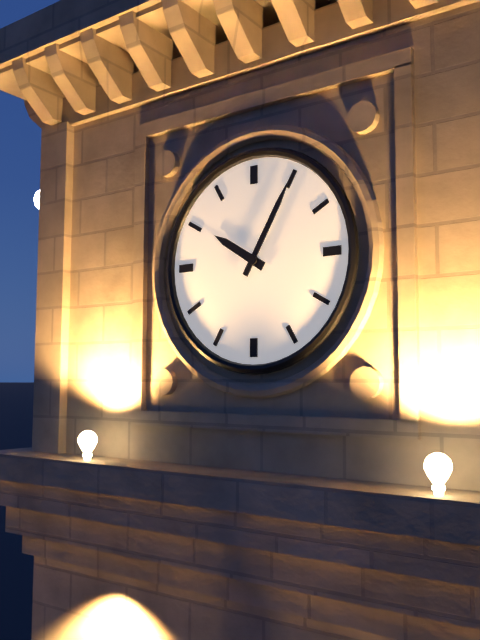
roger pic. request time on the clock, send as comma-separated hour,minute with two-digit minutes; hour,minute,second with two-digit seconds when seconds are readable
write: 10,05
